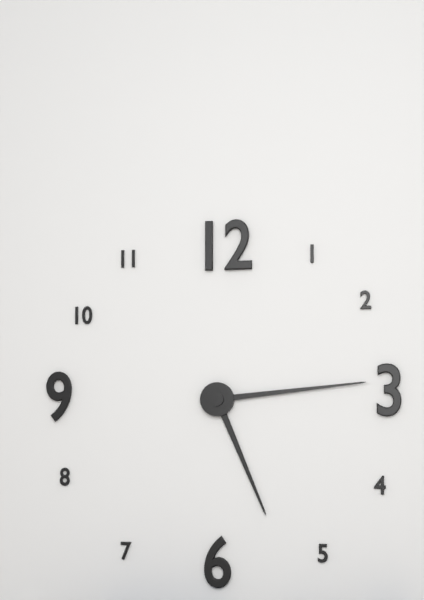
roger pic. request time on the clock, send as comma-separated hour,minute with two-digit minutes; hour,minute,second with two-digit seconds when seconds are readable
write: 5,14
